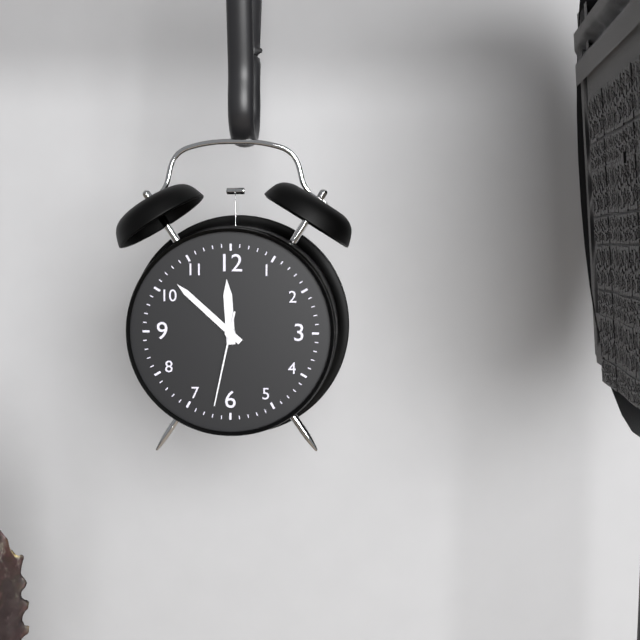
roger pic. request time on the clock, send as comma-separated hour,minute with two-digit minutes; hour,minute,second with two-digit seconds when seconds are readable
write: 11,52,32
